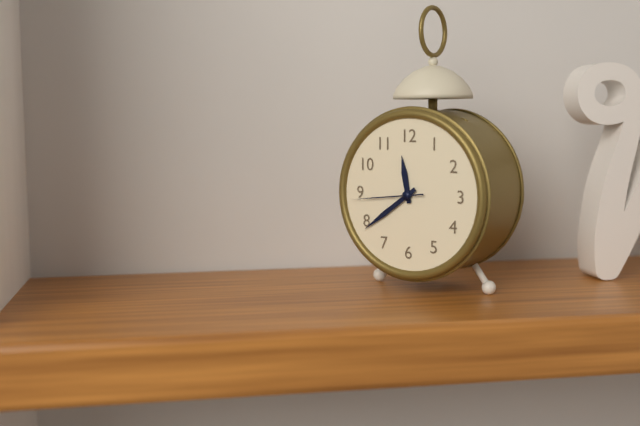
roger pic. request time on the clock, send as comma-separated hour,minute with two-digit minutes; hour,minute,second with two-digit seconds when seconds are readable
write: 11,39,44
